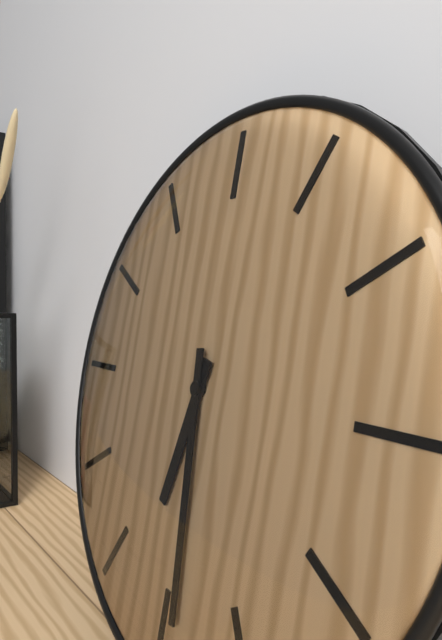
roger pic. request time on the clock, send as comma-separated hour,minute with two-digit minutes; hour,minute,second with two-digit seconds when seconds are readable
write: 6,29
